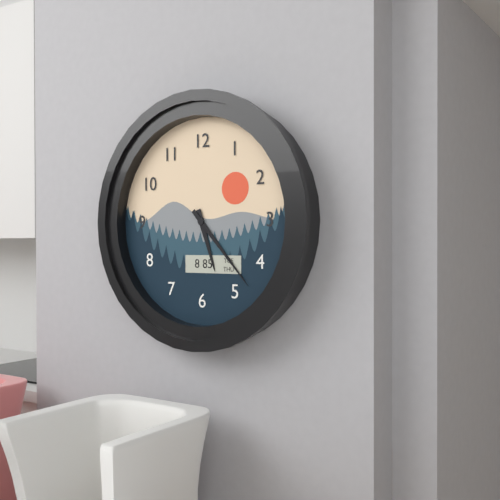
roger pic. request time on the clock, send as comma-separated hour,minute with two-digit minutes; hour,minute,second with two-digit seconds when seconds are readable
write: 5,23
